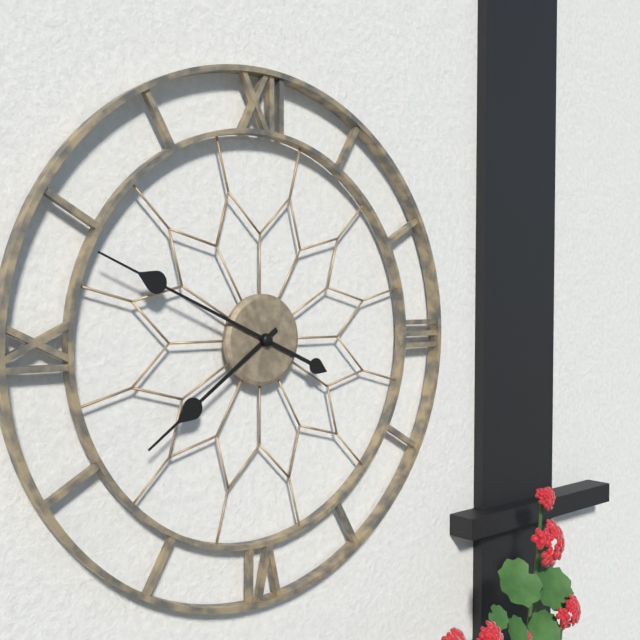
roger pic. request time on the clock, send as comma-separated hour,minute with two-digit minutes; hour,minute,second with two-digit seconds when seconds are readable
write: 7,49
